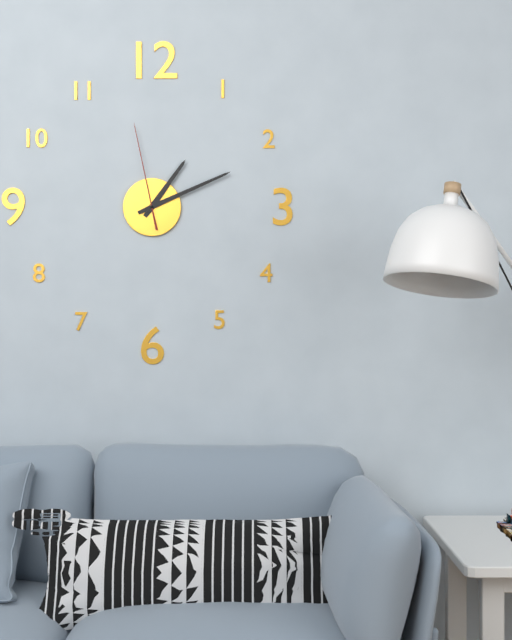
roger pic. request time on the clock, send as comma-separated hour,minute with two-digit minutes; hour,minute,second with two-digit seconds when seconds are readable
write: 1,11,58
